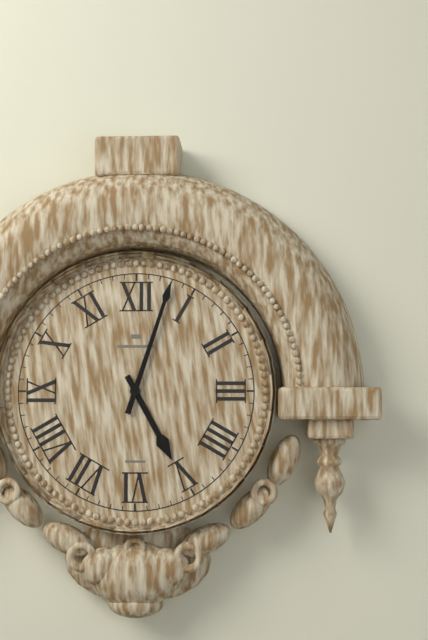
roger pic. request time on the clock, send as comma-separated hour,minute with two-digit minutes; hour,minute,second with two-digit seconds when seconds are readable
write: 5,03
